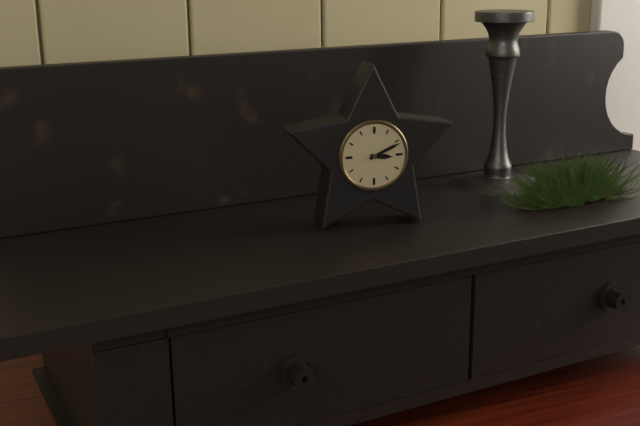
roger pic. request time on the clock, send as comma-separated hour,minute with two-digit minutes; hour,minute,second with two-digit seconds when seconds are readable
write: 3,11
